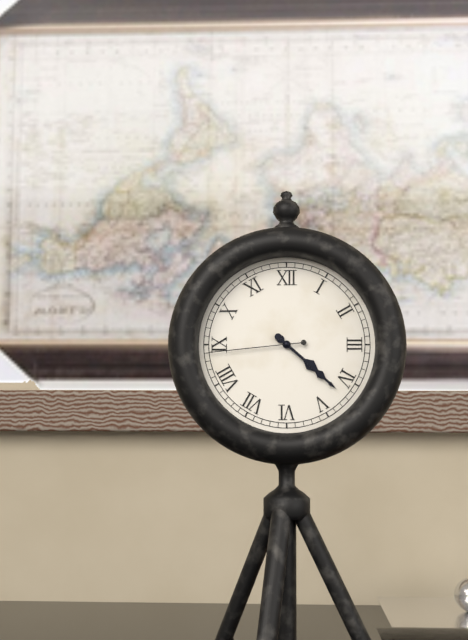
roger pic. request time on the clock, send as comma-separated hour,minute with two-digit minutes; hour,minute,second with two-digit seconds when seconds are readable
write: 4,22,44
